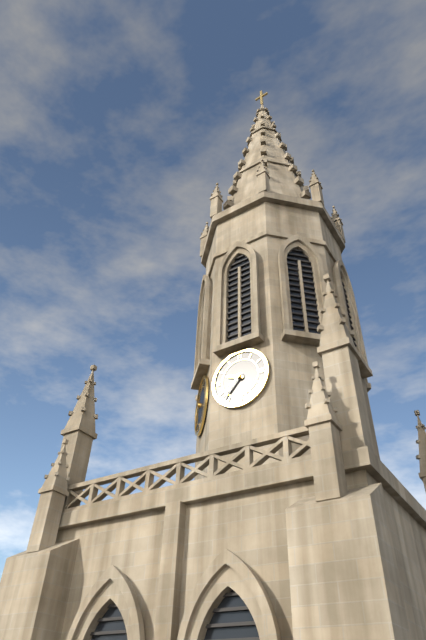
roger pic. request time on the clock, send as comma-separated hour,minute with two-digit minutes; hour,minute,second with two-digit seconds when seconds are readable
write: 9,37
